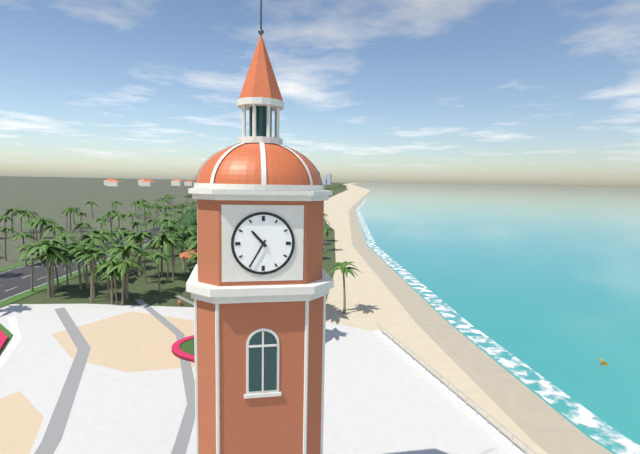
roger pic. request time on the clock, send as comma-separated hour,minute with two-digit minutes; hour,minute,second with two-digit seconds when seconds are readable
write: 10,35
